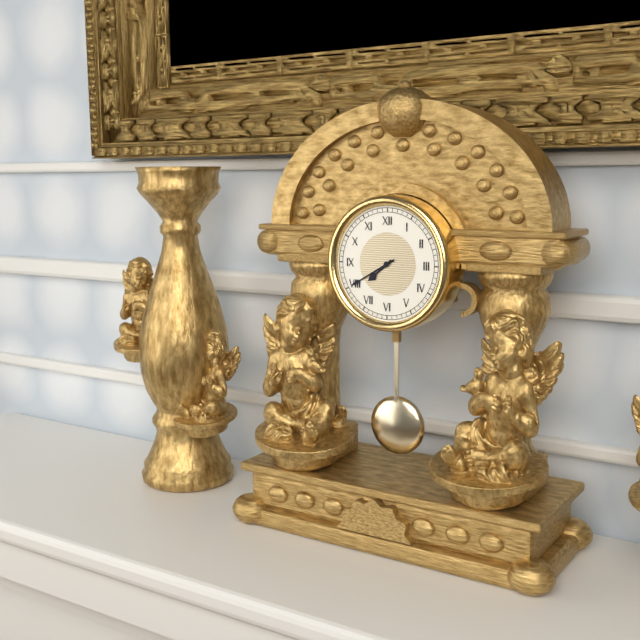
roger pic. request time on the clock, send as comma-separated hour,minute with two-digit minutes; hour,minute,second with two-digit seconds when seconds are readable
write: 7,40
